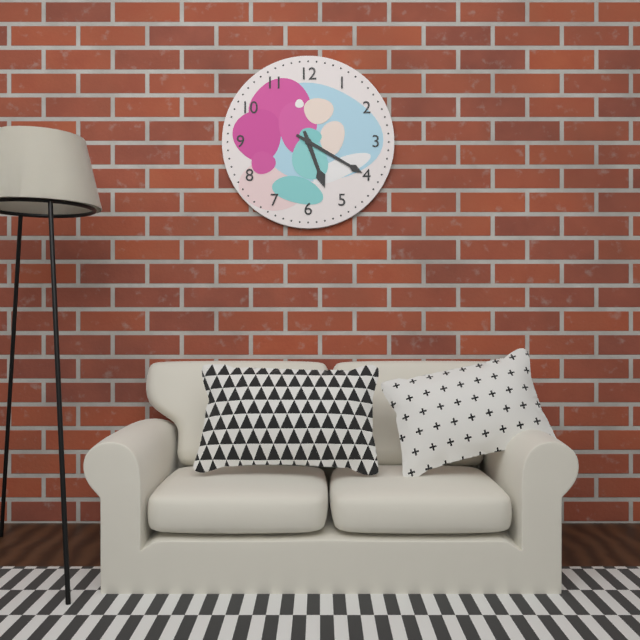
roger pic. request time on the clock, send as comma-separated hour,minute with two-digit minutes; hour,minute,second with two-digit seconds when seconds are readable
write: 5,20
